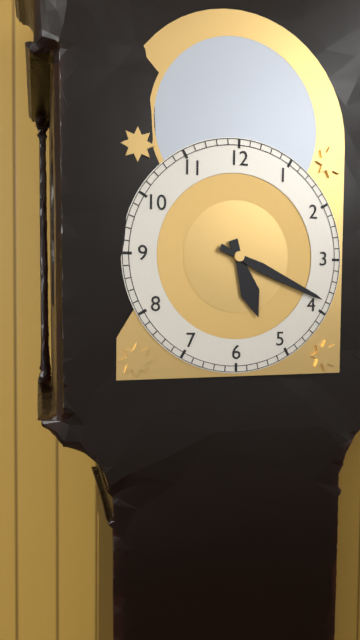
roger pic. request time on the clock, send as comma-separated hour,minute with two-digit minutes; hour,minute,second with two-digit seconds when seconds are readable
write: 5,19
